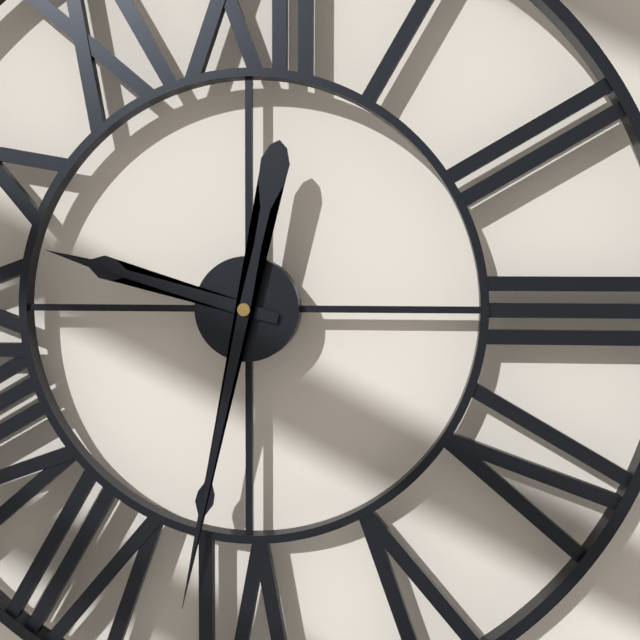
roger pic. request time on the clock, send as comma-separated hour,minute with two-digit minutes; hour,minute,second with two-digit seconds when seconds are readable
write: 9,32
